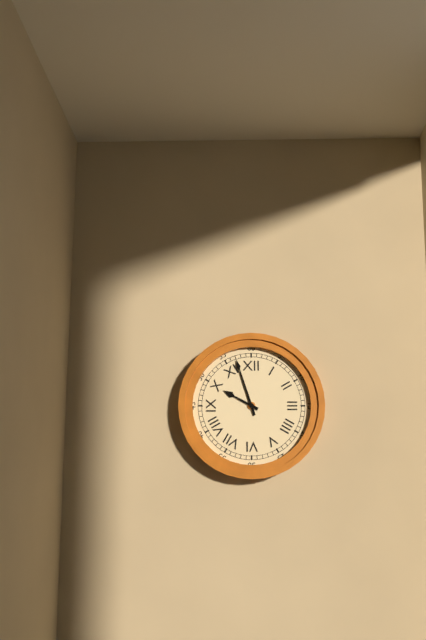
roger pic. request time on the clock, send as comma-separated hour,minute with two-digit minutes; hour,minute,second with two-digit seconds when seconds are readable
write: 9,57
